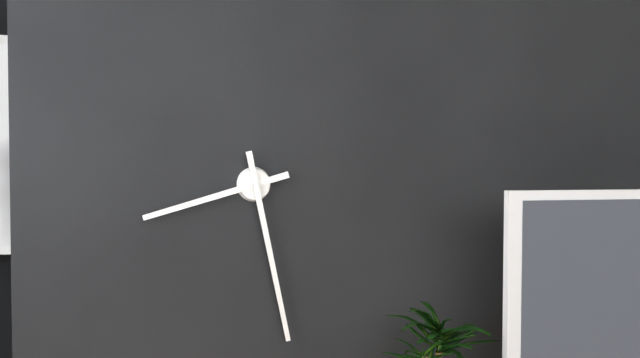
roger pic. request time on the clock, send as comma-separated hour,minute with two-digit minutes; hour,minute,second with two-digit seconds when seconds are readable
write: 8,28
